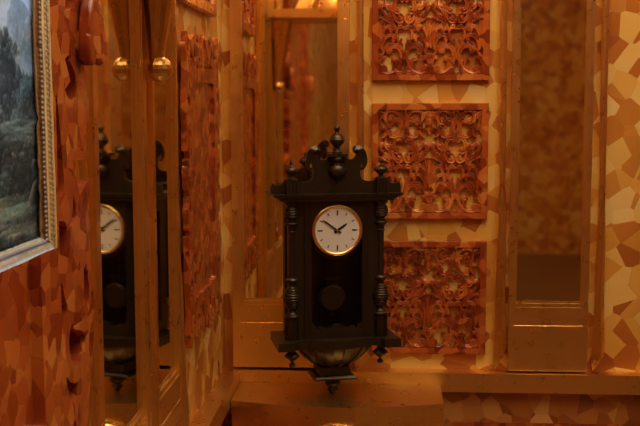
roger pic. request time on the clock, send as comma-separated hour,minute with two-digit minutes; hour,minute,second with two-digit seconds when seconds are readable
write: 1,51
